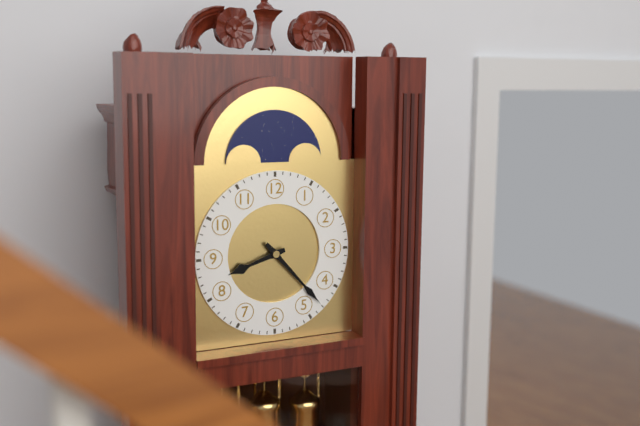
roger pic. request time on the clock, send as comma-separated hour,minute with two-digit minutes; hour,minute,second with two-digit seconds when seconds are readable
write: 8,23
